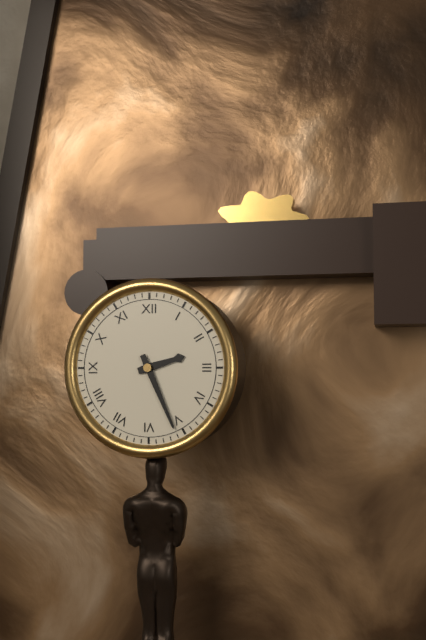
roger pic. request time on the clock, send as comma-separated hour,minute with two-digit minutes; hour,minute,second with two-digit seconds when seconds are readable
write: 2,26
